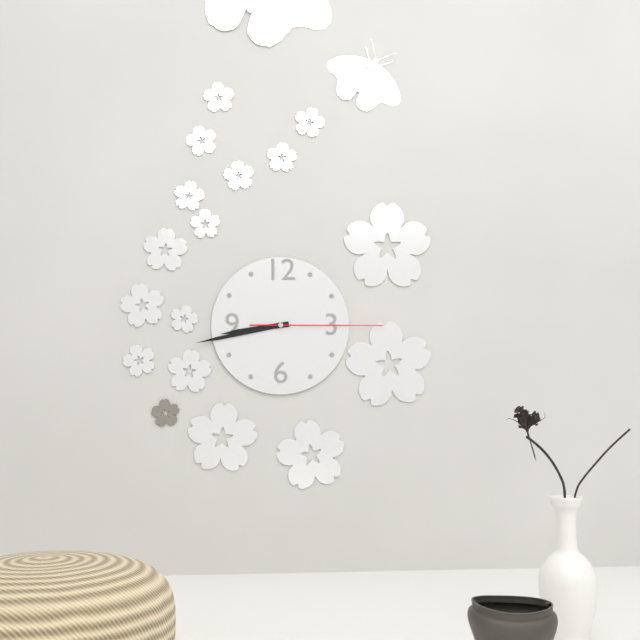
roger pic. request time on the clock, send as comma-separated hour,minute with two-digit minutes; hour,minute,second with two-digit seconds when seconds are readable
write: 8,43,15
